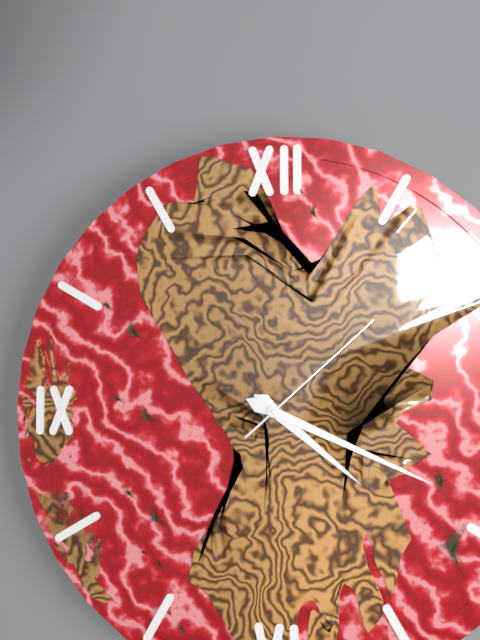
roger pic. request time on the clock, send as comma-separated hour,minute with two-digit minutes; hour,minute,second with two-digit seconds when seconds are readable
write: 4,19,08
